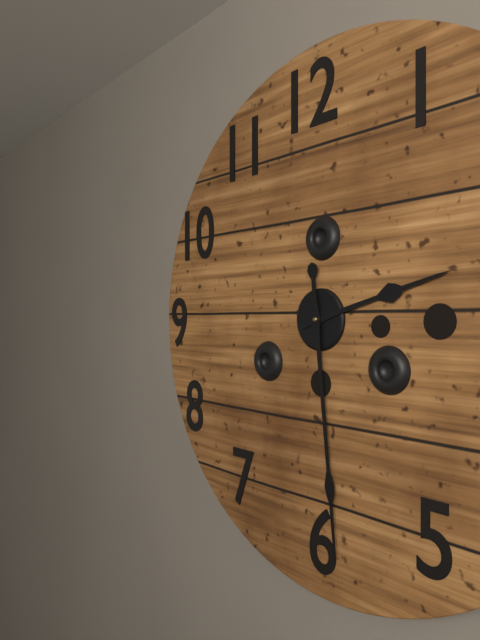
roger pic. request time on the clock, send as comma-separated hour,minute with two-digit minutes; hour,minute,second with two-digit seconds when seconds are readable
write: 2,29
